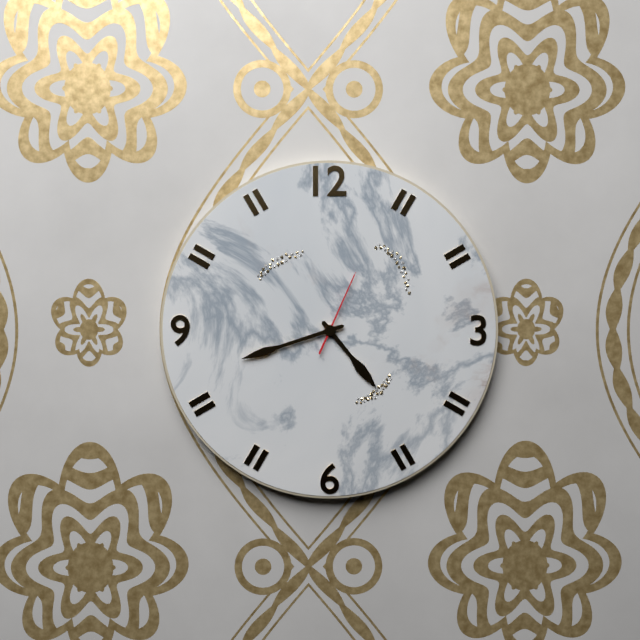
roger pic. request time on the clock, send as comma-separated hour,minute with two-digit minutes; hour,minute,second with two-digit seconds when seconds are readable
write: 4,42,04
